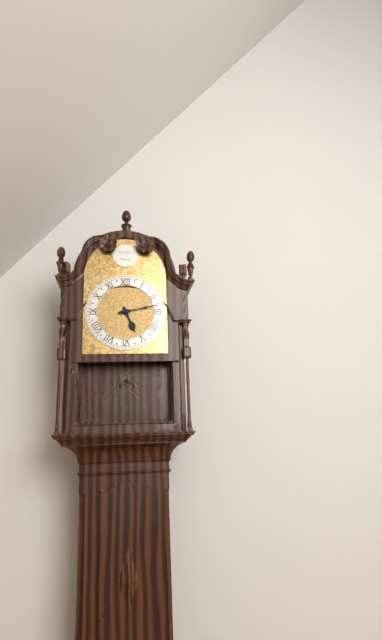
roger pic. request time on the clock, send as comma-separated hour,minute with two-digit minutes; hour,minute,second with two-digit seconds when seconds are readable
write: 5,13
